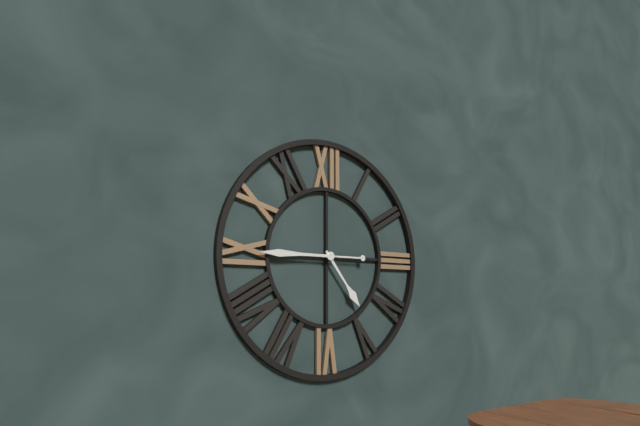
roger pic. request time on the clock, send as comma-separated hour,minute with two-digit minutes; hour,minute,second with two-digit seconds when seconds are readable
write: 4,45
